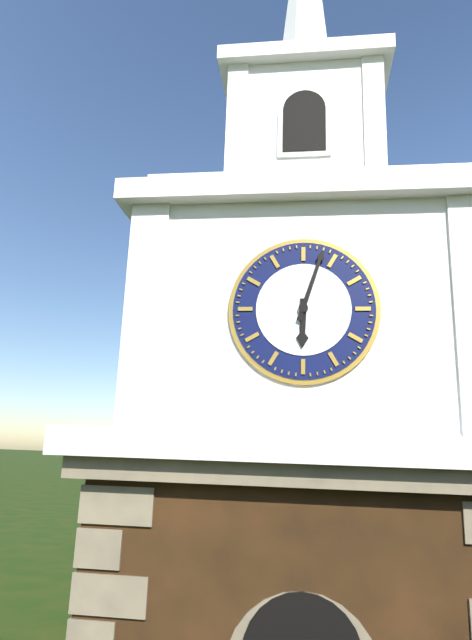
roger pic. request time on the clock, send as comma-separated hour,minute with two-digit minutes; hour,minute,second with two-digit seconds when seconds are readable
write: 6,03
